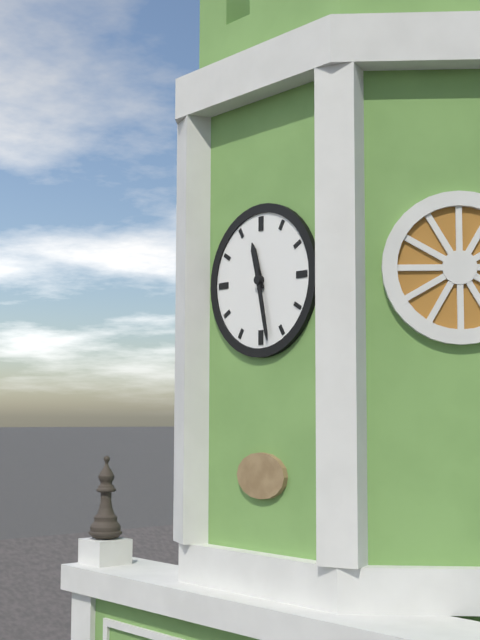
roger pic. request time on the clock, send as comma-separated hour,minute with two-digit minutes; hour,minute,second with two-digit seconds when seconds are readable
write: 11,28
